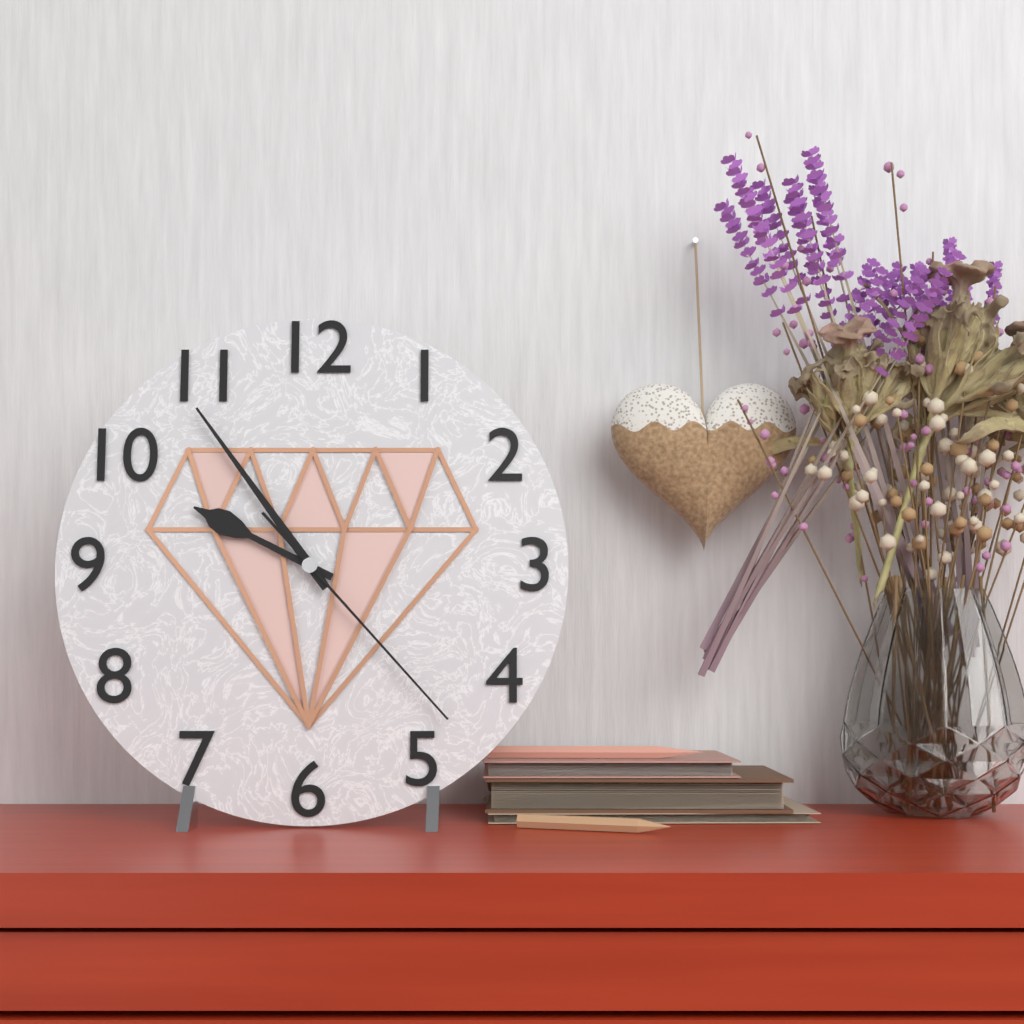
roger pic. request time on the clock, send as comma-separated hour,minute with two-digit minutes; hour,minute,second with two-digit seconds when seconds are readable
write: 9,54,23
